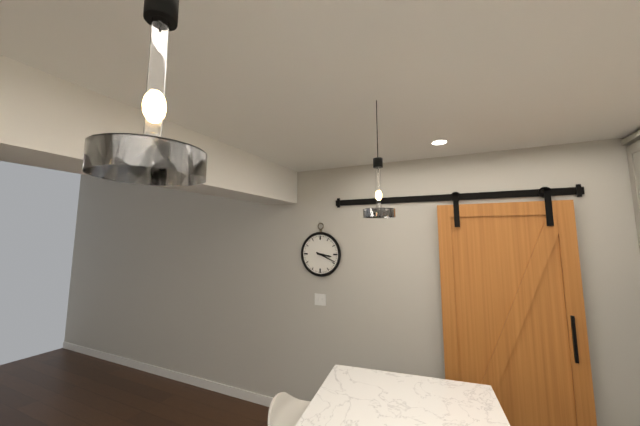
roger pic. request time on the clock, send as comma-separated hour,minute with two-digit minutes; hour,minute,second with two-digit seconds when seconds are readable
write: 3,19
